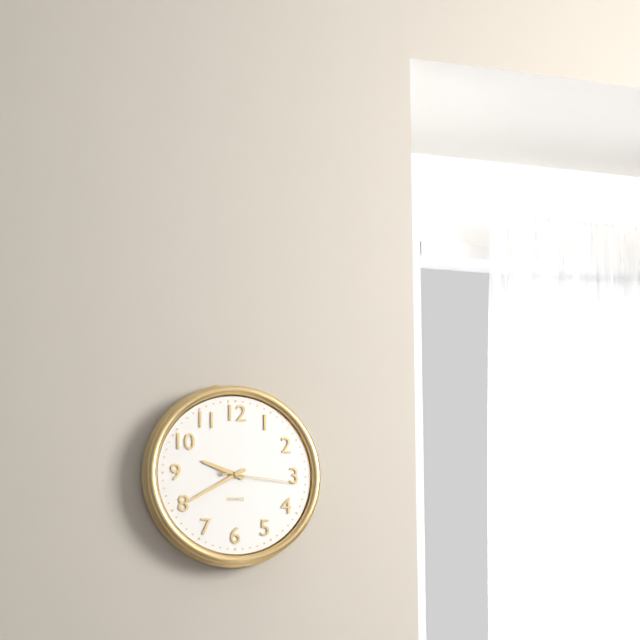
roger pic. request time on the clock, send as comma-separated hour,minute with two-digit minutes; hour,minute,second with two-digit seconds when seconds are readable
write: 9,40,16
